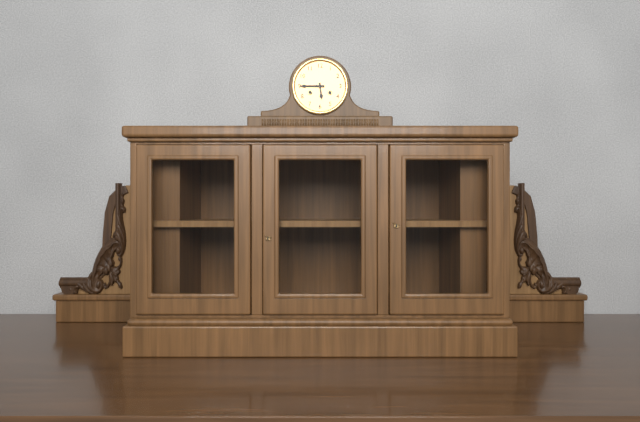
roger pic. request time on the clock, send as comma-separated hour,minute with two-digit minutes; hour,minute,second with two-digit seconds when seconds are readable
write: 5,45
